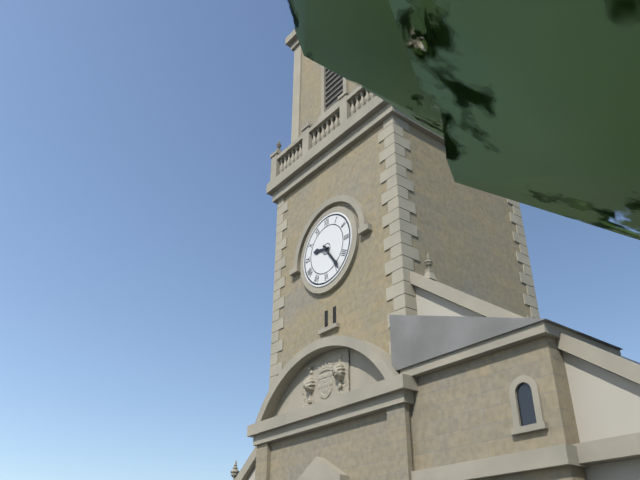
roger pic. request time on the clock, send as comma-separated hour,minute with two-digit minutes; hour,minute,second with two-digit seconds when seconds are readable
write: 9,24
